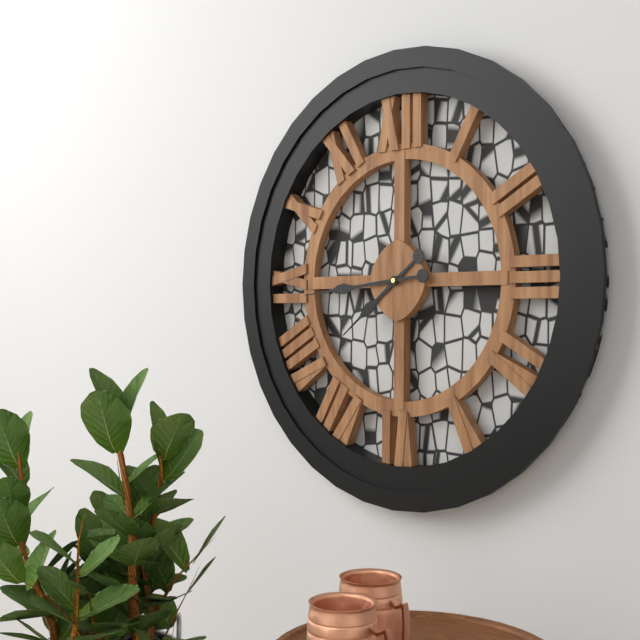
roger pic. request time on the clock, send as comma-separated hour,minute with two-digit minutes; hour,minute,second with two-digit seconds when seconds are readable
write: 7,44
